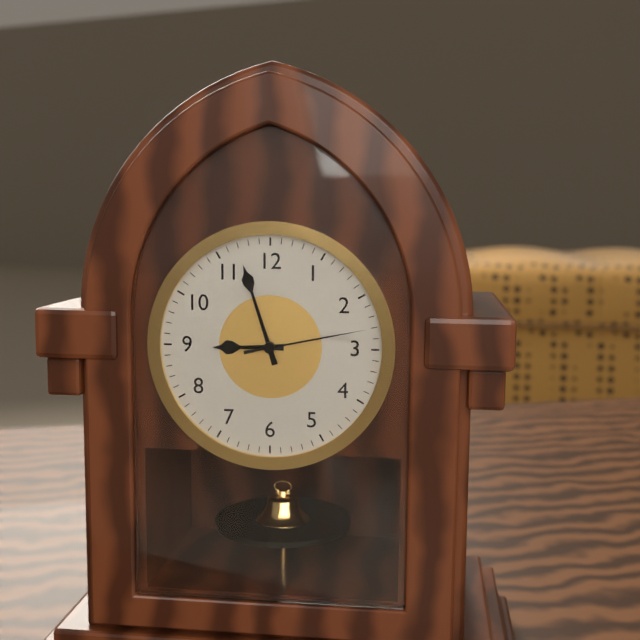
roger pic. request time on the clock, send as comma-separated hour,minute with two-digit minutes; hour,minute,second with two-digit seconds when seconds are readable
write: 8,57,13
